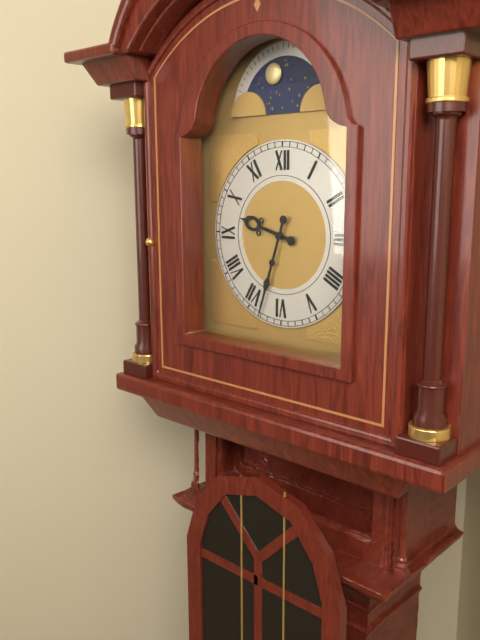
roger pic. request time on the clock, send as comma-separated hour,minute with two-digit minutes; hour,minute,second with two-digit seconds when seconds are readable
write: 9,33
